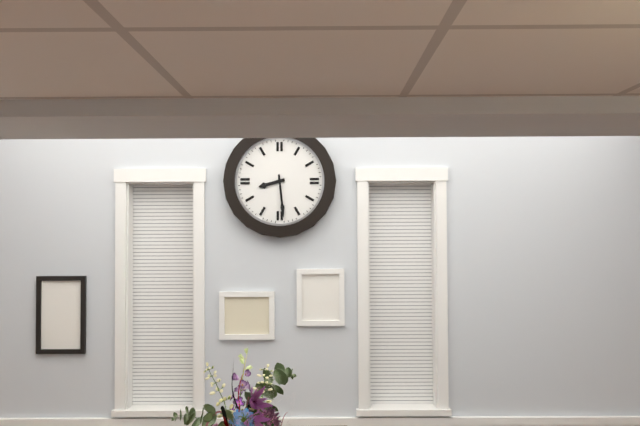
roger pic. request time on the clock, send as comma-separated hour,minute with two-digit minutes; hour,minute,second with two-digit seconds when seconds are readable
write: 8,29
